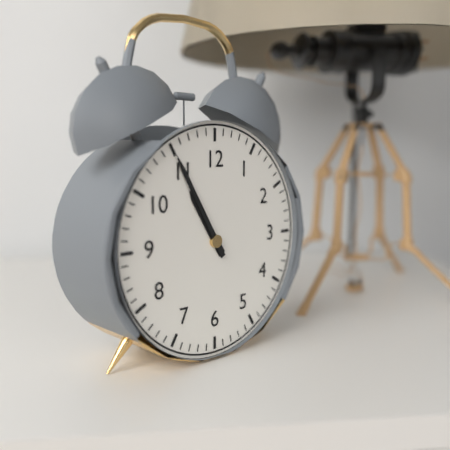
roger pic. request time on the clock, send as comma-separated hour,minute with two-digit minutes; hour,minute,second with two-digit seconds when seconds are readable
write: 10,55
